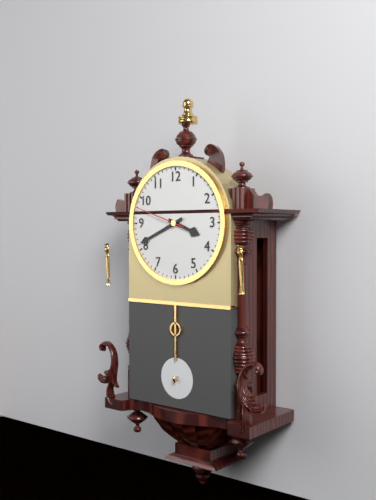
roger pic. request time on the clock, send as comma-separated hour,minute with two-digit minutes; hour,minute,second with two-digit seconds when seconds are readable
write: 3,41,48
